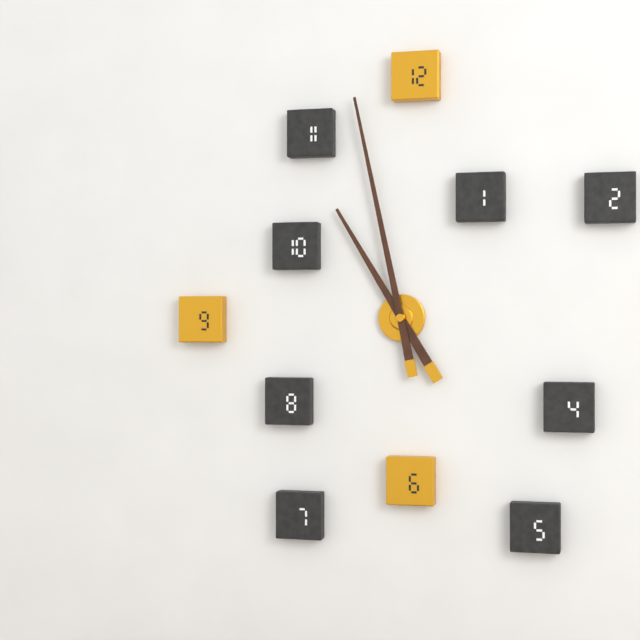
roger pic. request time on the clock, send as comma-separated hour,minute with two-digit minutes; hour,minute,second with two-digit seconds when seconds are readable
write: 10,58
